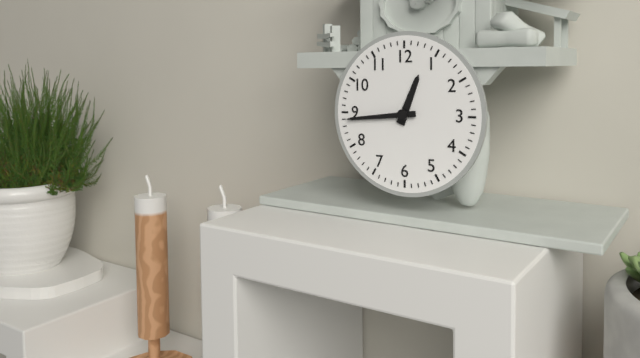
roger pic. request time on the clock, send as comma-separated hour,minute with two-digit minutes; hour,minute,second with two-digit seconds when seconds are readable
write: 12,44
